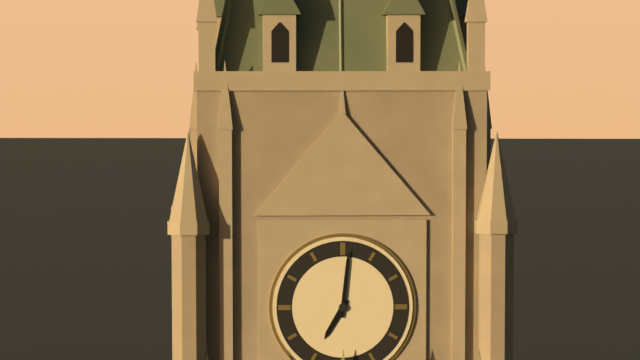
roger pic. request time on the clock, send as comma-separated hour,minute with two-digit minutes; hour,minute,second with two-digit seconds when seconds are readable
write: 7,01
